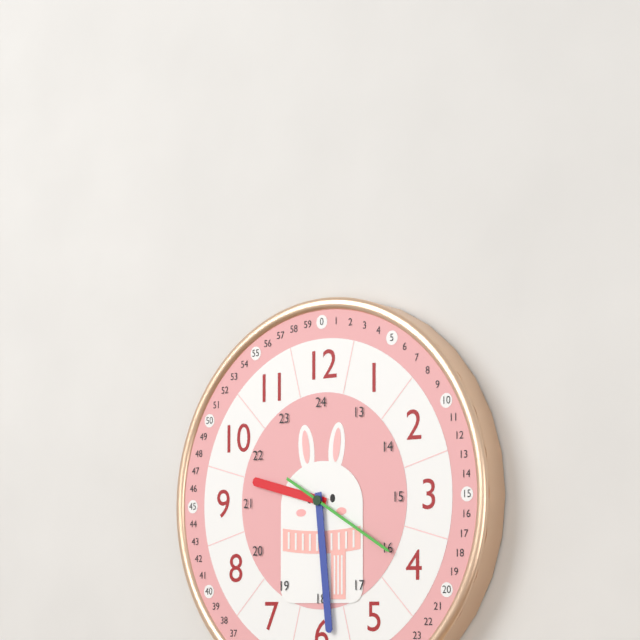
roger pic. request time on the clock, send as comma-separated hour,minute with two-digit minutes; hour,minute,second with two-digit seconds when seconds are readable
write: 9,29,20
